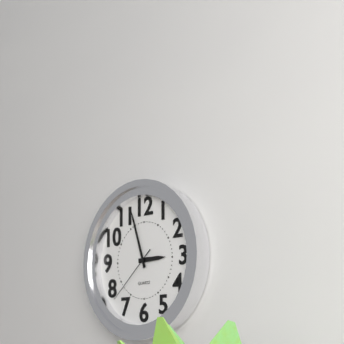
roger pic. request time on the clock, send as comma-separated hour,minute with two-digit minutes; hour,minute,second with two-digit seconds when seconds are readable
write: 2,57,38
